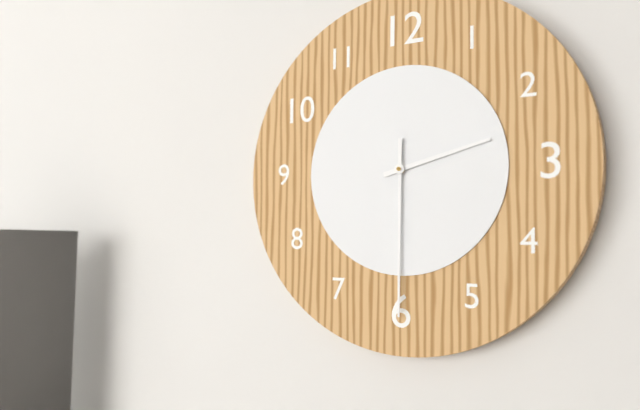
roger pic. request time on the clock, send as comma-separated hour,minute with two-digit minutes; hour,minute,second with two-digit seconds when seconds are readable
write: 2,30
